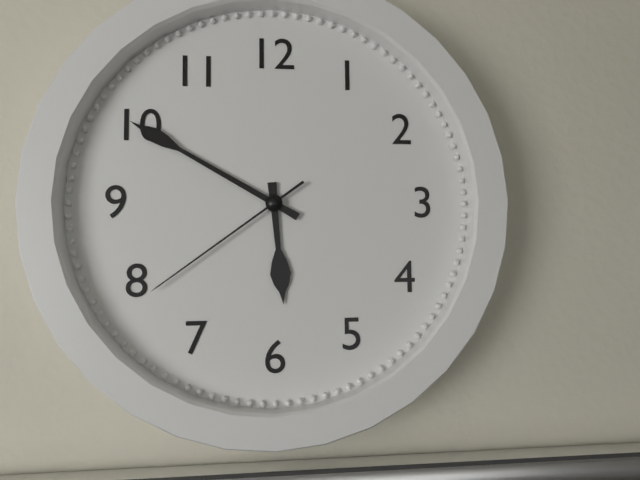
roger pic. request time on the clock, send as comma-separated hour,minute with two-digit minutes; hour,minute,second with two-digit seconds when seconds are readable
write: 5,50,39
